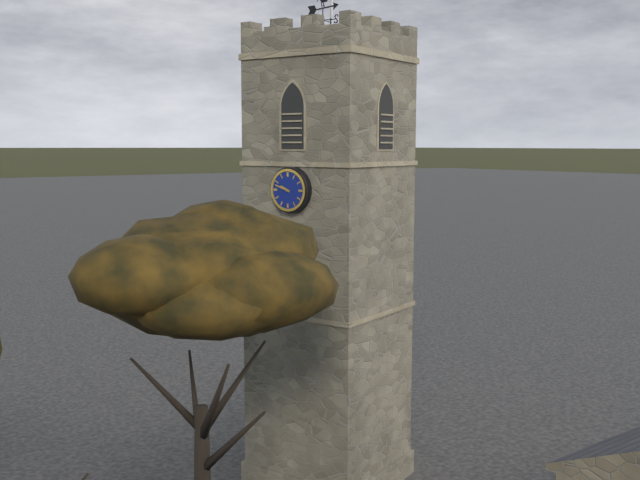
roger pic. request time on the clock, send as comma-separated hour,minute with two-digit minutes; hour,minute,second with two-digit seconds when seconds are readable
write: 9,48
